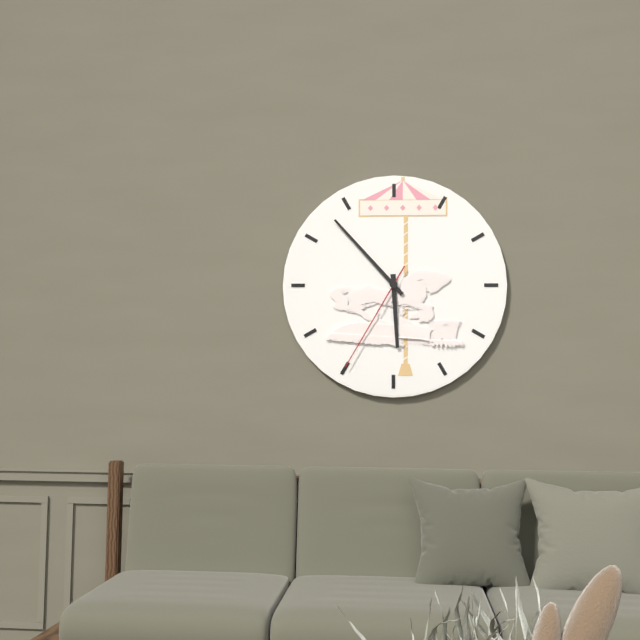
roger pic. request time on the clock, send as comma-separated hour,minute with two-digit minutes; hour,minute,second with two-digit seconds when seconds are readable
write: 5,53,35
